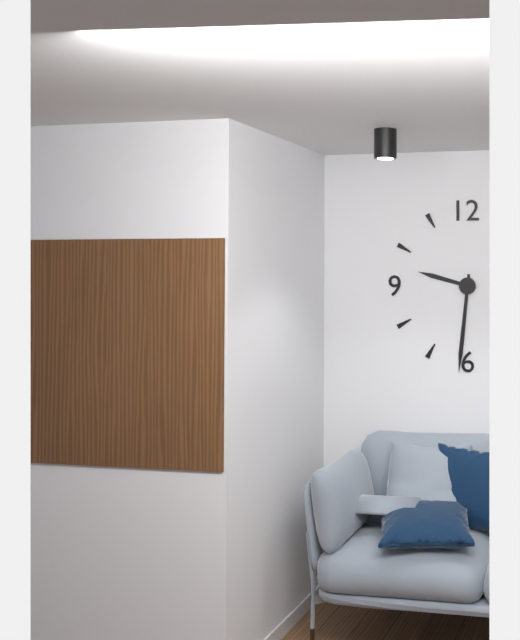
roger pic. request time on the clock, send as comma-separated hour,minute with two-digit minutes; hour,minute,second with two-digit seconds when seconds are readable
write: 9,31
